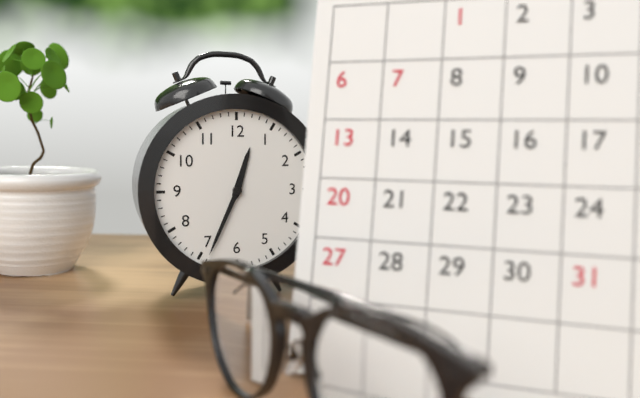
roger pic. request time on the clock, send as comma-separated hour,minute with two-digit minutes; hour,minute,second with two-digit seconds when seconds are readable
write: 12,34
